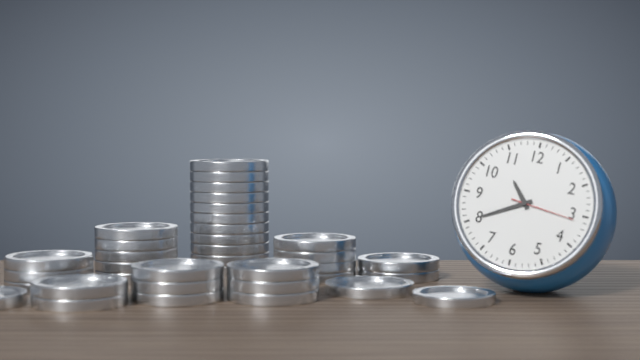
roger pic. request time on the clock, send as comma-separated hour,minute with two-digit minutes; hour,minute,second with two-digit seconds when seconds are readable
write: 10,40,16
